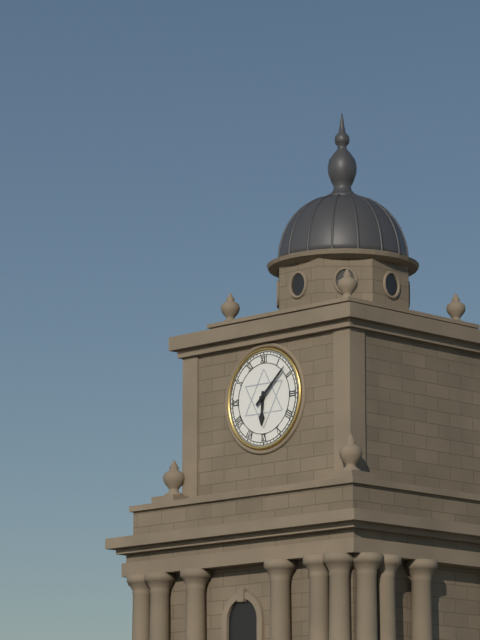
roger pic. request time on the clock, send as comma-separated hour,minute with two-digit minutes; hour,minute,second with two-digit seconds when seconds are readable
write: 6,08
